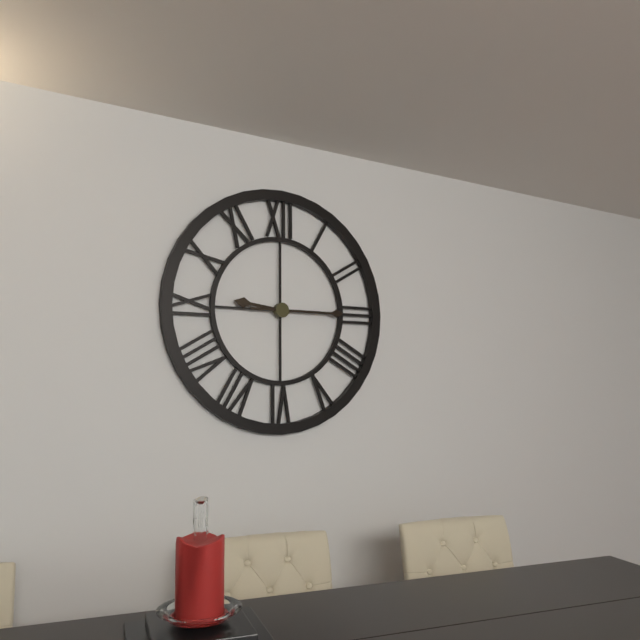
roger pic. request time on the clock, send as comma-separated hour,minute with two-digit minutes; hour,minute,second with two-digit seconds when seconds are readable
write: 9,15
